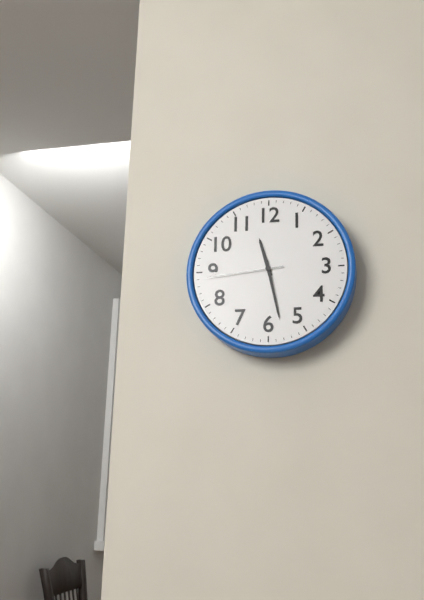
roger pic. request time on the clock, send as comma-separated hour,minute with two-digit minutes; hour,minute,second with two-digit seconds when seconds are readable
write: 11,28,44
